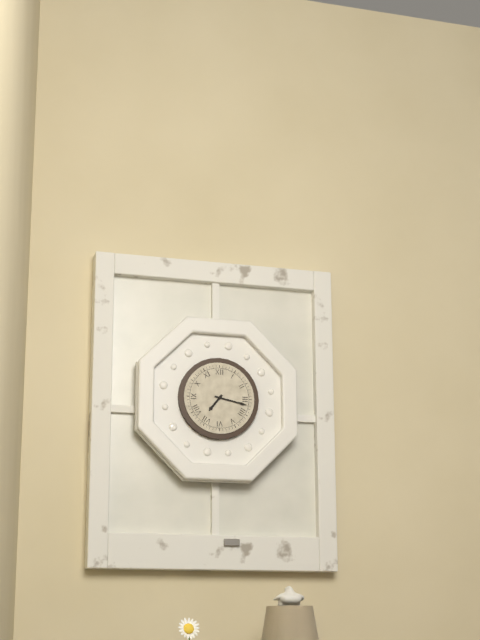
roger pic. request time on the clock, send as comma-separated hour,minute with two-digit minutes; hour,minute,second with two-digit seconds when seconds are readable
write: 7,17
